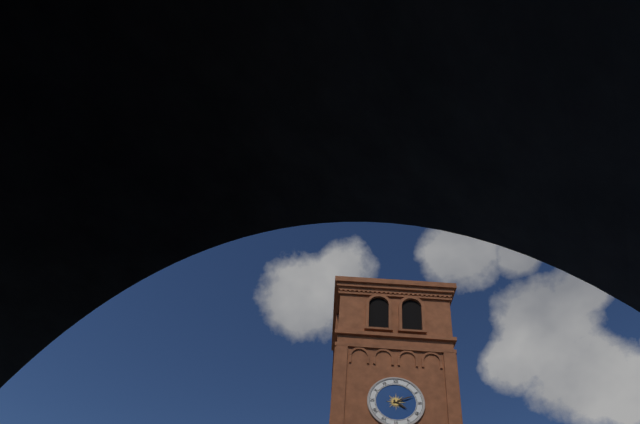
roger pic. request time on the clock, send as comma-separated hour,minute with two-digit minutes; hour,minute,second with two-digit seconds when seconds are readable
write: 4,11
